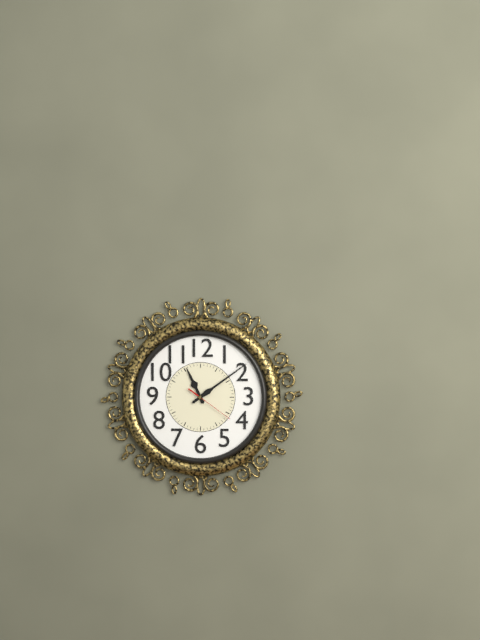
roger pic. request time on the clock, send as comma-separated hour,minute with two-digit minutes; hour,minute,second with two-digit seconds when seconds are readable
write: 11,09
